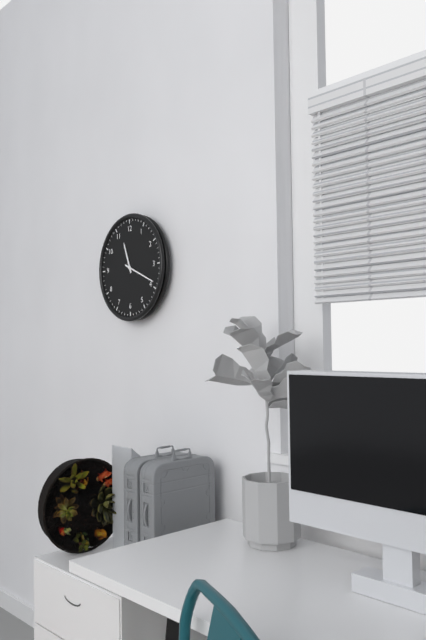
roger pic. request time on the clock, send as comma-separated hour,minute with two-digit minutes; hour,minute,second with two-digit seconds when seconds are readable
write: 11,19
